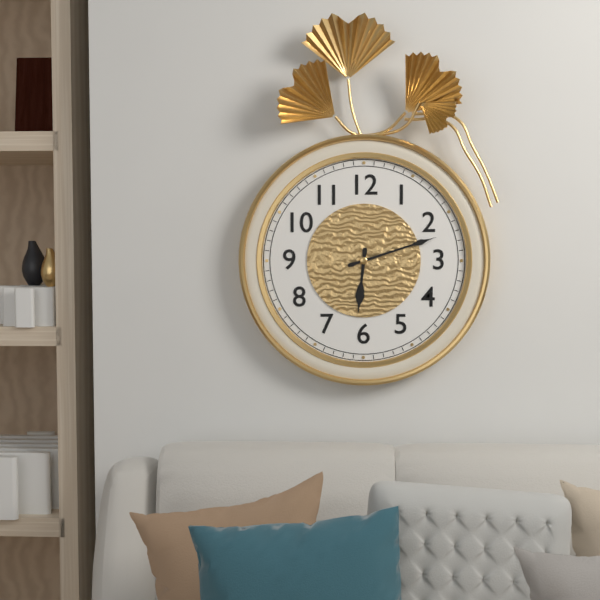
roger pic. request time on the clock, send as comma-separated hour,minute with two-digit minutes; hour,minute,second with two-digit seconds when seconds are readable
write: 6,12
